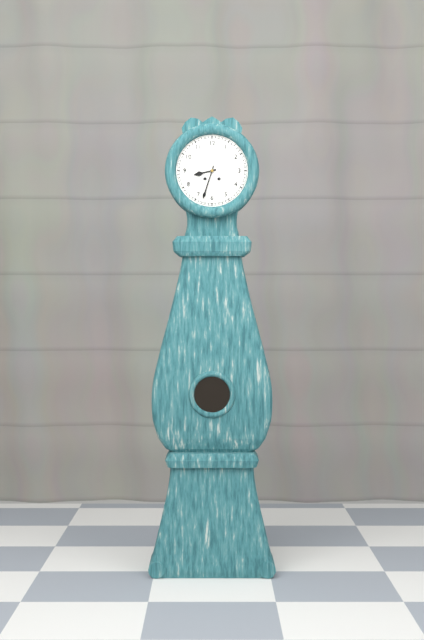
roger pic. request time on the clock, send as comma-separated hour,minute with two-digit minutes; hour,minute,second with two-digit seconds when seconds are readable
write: 8,33
